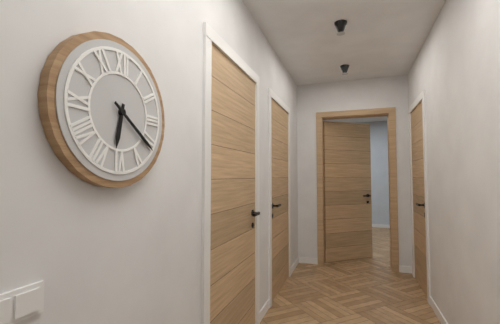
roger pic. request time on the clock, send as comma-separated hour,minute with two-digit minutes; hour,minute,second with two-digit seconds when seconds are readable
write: 6,21
